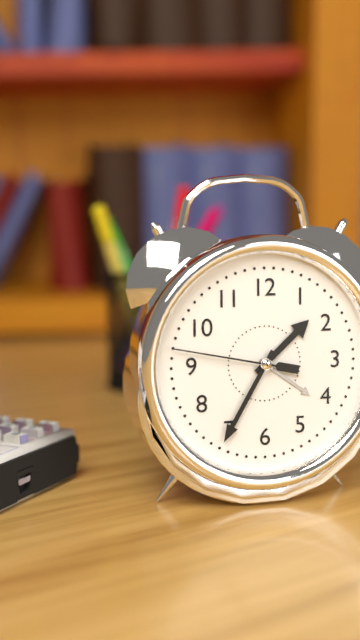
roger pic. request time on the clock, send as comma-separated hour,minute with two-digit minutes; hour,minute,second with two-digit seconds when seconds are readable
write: 1,35,47
